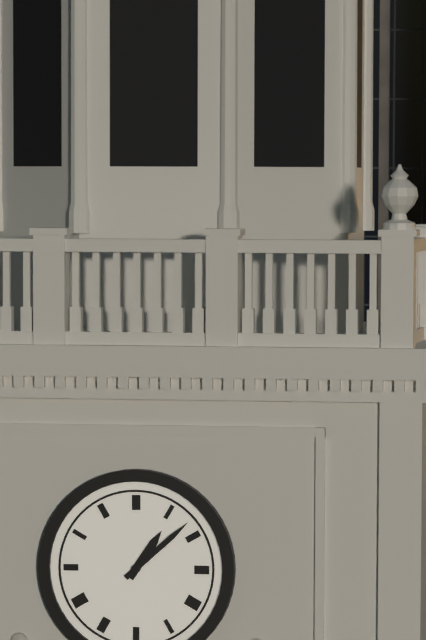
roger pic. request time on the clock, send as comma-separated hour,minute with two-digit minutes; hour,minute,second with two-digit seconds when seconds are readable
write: 1,08
